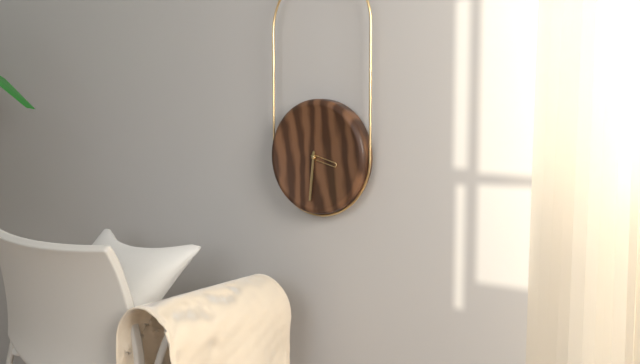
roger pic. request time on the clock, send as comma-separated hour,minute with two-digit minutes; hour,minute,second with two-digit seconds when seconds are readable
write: 3,31
